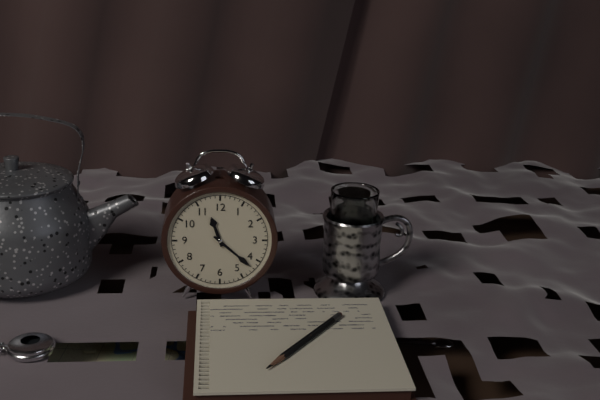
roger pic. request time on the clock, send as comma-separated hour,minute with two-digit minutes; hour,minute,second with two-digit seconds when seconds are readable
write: 11,22
